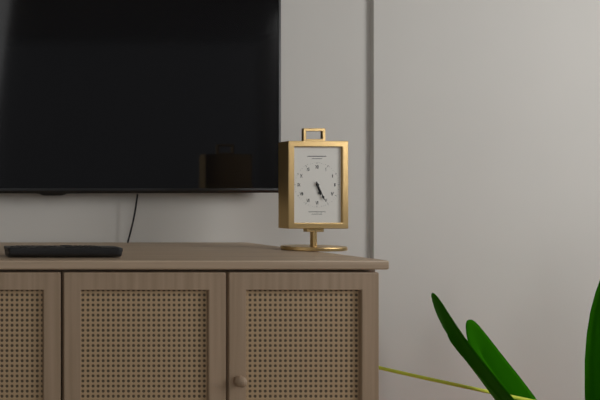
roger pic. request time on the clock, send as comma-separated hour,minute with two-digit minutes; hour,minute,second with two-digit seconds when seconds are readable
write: 5,26
